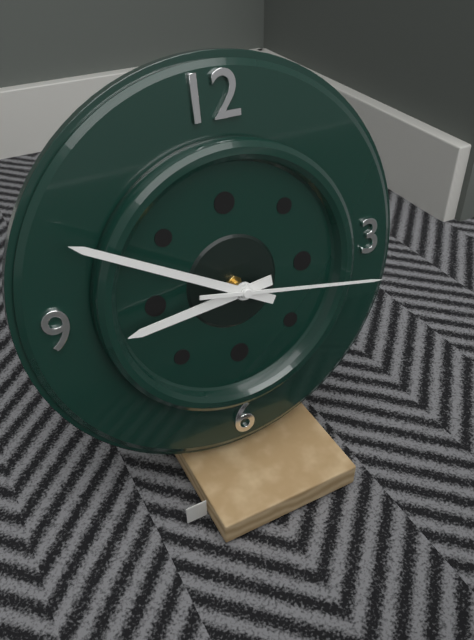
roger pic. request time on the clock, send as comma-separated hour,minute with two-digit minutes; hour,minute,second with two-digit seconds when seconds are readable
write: 8,50,17
